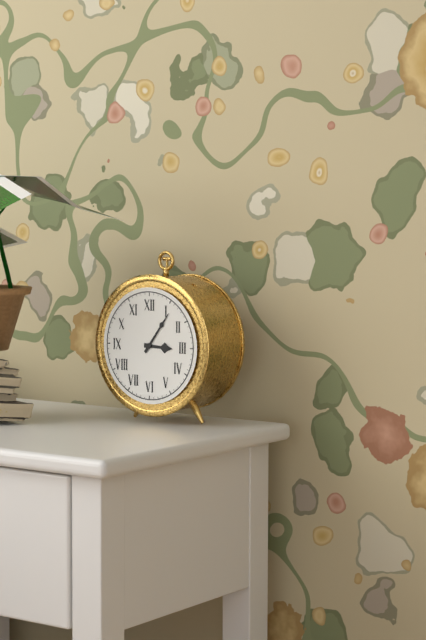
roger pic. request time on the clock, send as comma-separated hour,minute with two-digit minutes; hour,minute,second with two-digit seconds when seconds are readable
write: 3,06
